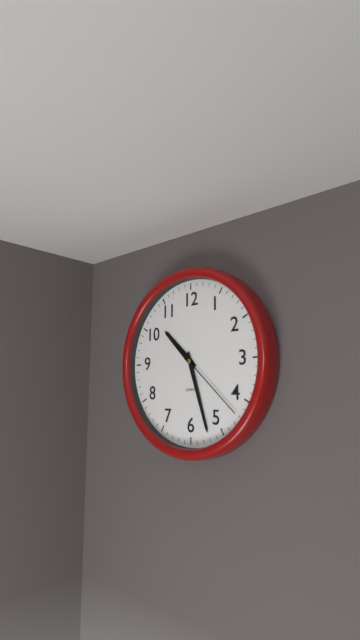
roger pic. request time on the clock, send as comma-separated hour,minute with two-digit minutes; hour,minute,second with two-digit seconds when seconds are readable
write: 10,27,22
